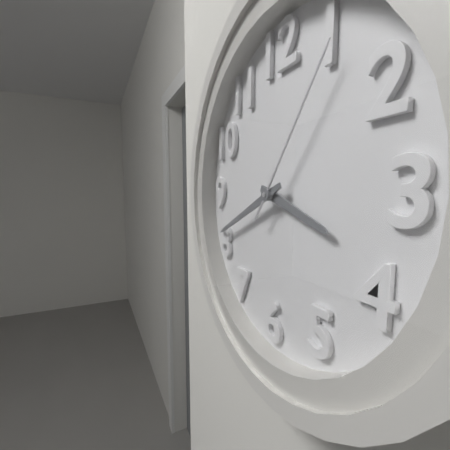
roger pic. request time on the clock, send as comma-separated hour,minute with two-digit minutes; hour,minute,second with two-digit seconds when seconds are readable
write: 3,41,06
